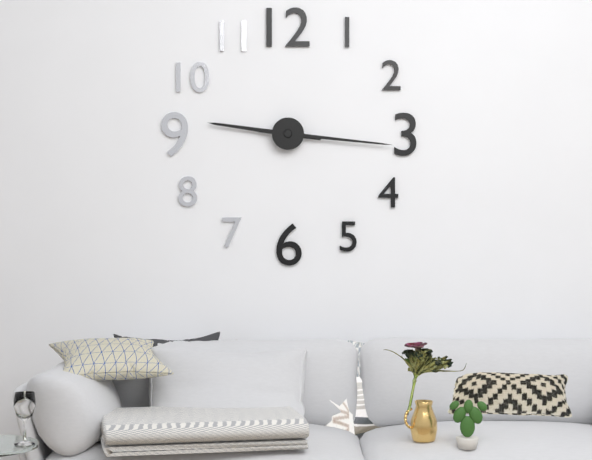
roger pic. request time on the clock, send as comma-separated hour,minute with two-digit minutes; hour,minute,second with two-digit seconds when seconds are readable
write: 9,16
